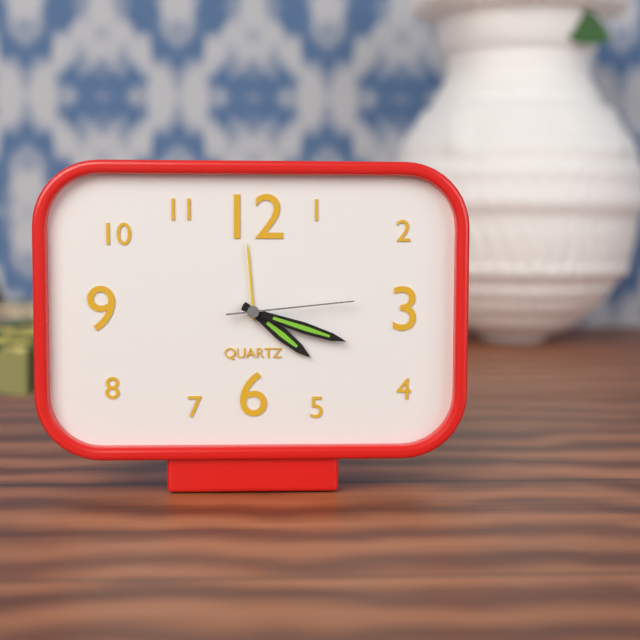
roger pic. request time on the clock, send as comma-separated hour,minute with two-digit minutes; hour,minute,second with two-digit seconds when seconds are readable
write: 4,18,14
